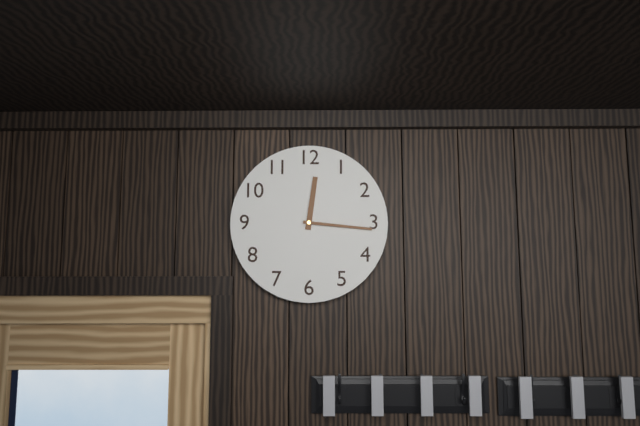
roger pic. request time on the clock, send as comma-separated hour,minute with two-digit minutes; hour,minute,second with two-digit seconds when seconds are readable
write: 12,16
